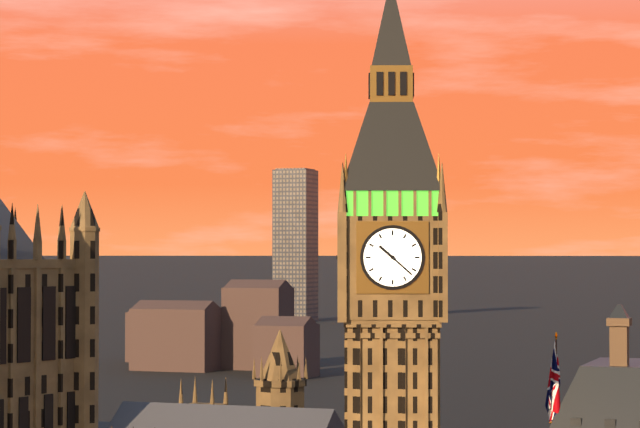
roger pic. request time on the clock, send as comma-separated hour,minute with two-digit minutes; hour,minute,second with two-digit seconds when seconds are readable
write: 10,22
